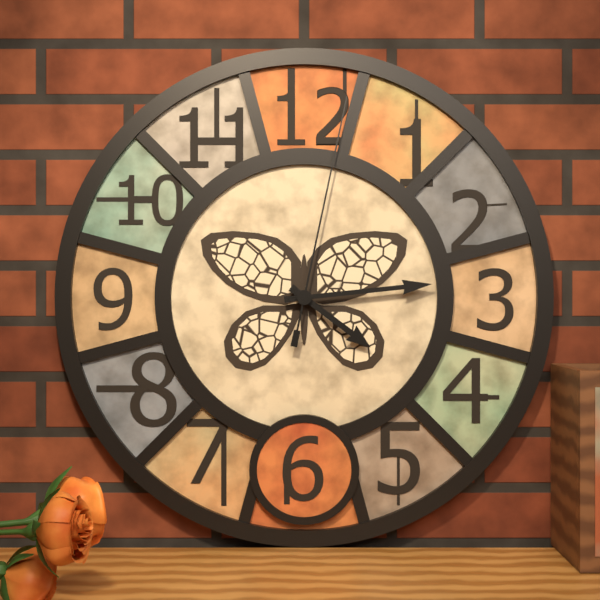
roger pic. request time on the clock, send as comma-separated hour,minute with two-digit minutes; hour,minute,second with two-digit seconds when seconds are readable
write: 4,14,02
